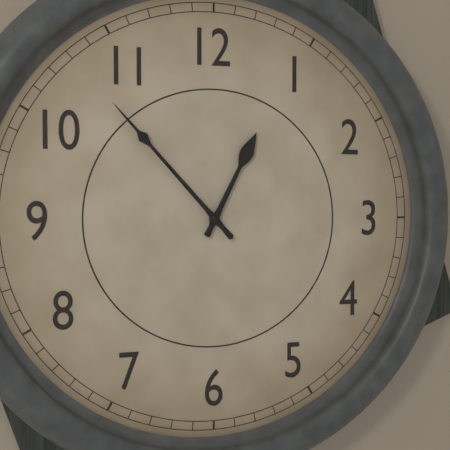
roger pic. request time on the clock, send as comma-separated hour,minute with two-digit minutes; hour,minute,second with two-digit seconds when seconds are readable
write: 12,53
